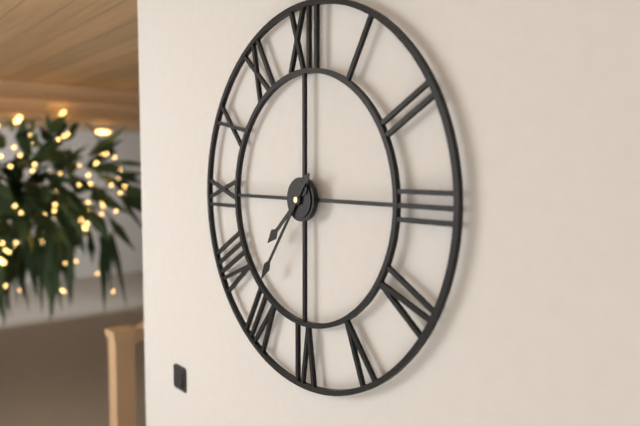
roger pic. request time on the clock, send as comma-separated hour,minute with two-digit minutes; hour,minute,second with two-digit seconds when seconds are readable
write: 7,36
